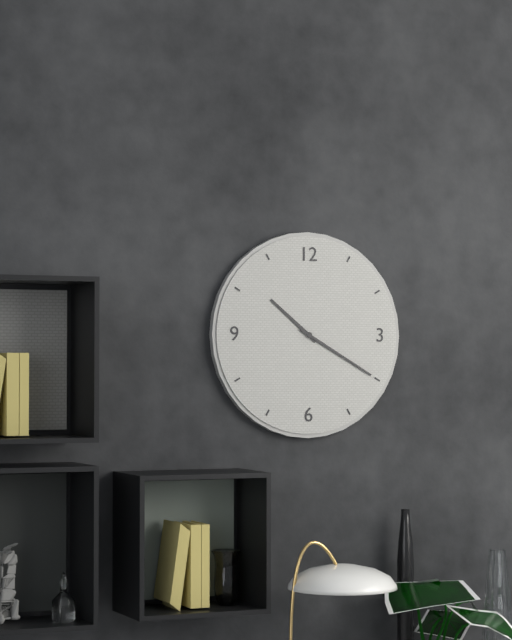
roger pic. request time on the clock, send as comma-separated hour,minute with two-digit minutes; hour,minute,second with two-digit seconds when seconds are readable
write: 10,20
